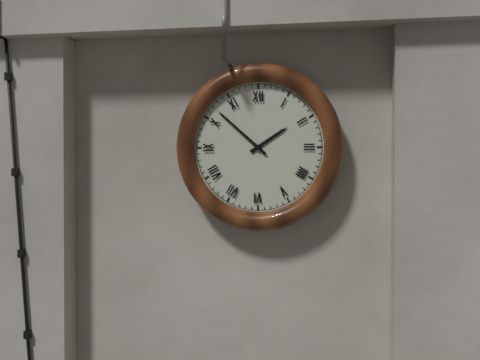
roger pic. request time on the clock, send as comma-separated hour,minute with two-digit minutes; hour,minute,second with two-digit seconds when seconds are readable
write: 1,52
